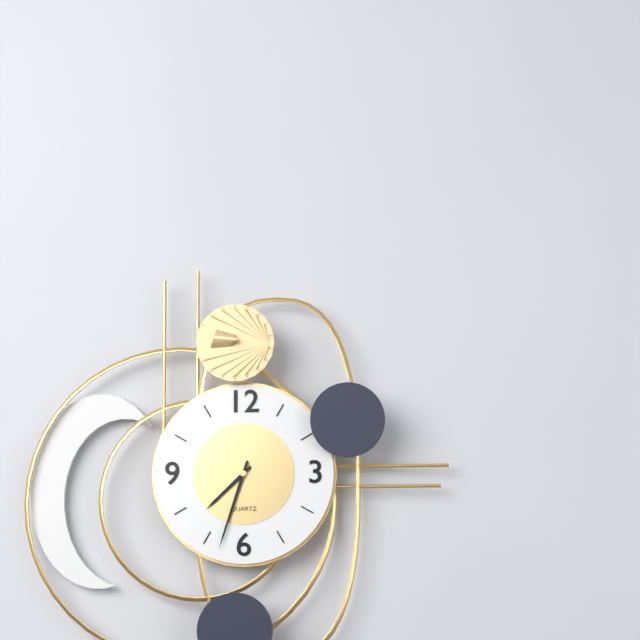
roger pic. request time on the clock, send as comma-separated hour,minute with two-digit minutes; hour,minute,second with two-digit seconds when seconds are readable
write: 7,33
